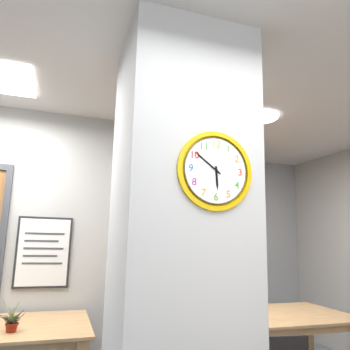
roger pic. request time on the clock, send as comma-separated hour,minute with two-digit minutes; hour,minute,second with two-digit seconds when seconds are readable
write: 5,51
